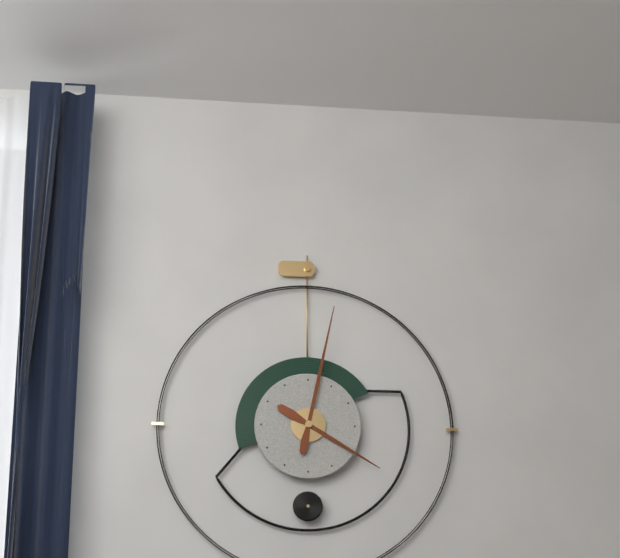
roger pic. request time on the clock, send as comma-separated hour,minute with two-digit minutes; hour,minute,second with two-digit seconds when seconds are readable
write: 4,02
